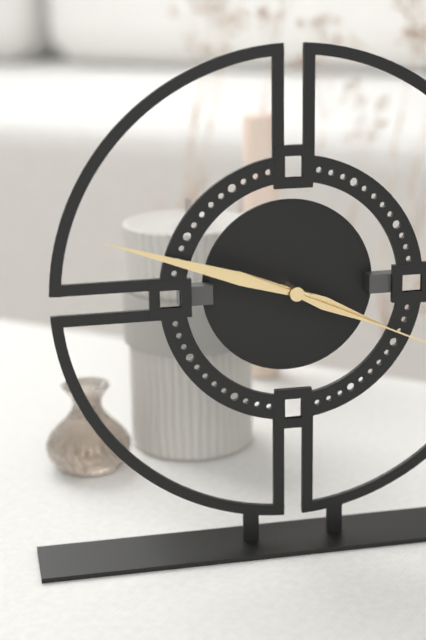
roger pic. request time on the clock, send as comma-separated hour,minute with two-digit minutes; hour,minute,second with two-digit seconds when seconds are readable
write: 3,48
